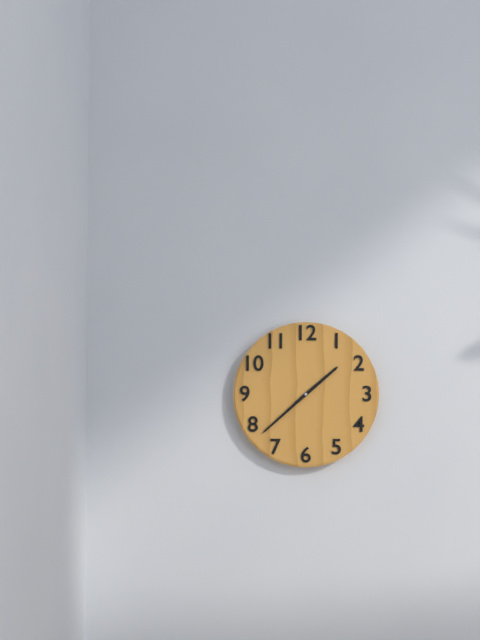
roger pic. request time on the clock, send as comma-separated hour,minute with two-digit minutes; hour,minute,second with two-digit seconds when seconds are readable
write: 1,38
